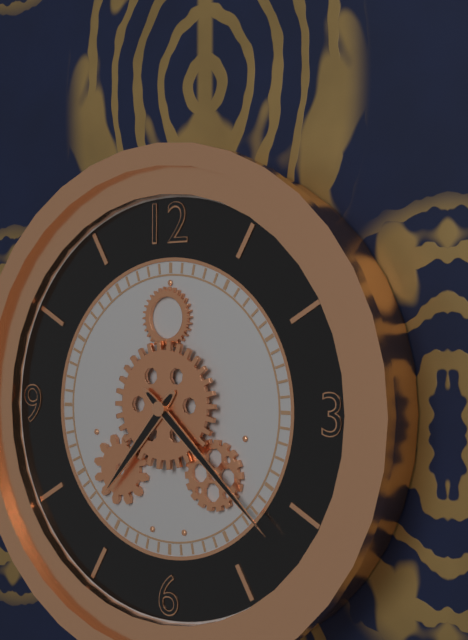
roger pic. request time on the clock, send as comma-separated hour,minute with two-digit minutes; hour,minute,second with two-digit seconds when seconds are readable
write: 7,22
